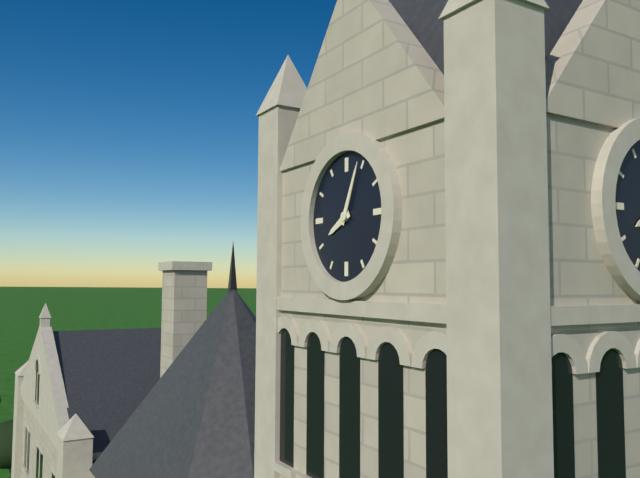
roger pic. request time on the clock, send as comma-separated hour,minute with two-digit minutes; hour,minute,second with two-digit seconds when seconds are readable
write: 8,04
